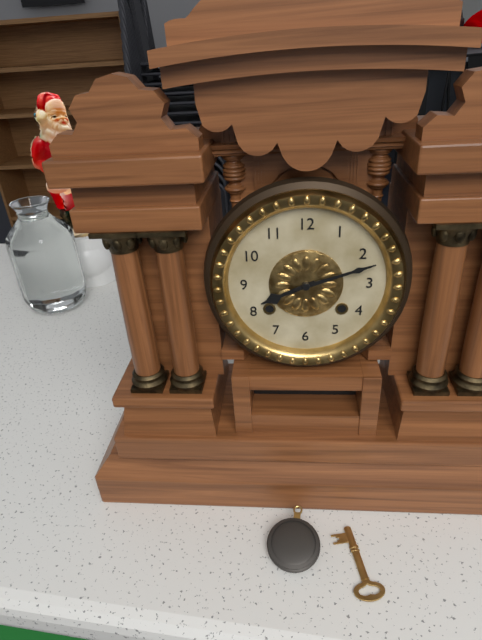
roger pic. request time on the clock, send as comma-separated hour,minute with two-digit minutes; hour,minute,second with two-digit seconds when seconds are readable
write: 8,12
